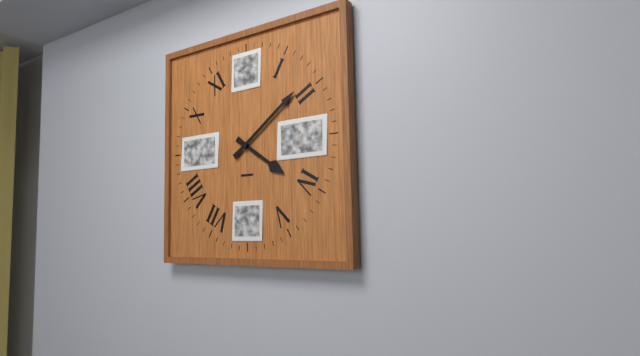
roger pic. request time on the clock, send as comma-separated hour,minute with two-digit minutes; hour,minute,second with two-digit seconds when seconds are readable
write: 4,09
